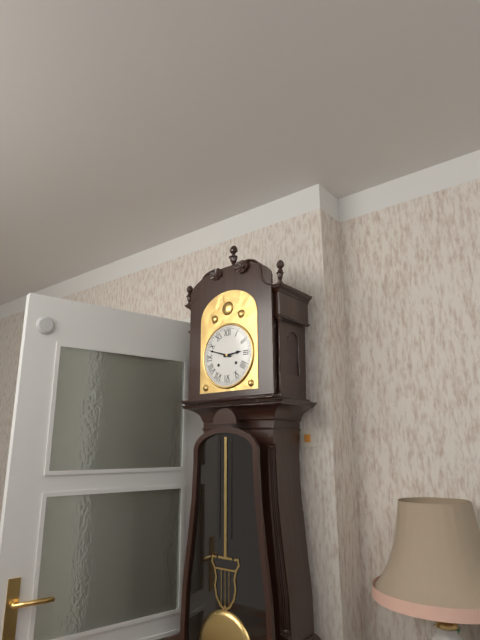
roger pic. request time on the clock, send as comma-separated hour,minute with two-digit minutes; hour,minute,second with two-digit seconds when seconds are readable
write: 2,48
